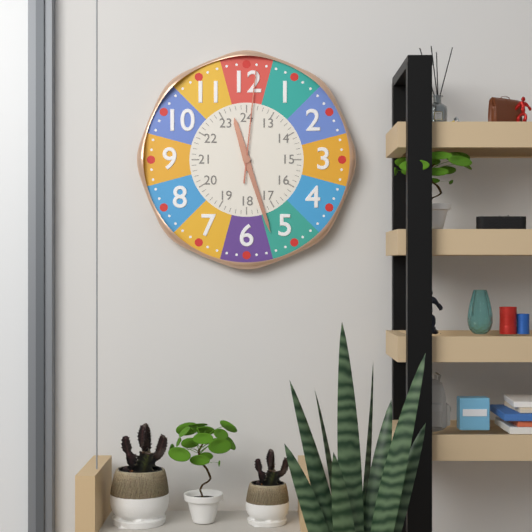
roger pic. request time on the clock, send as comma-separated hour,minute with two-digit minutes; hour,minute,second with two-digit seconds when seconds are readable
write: 11,27,01
